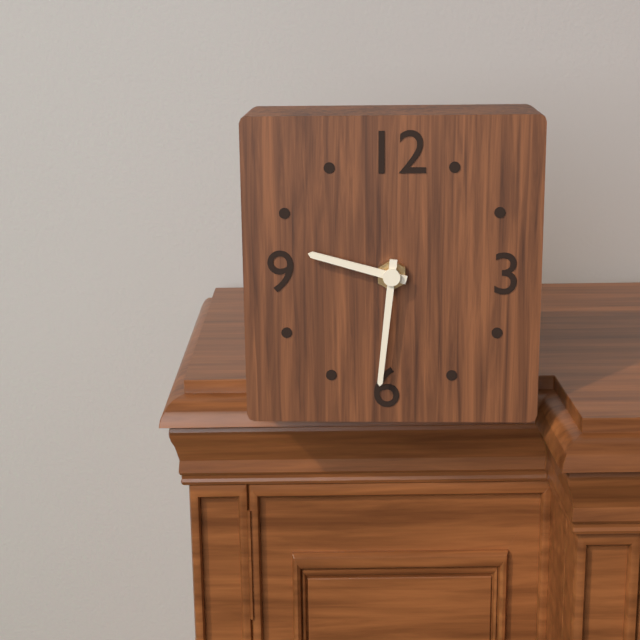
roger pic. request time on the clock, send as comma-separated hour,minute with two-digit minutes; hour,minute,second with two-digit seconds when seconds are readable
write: 9,31
